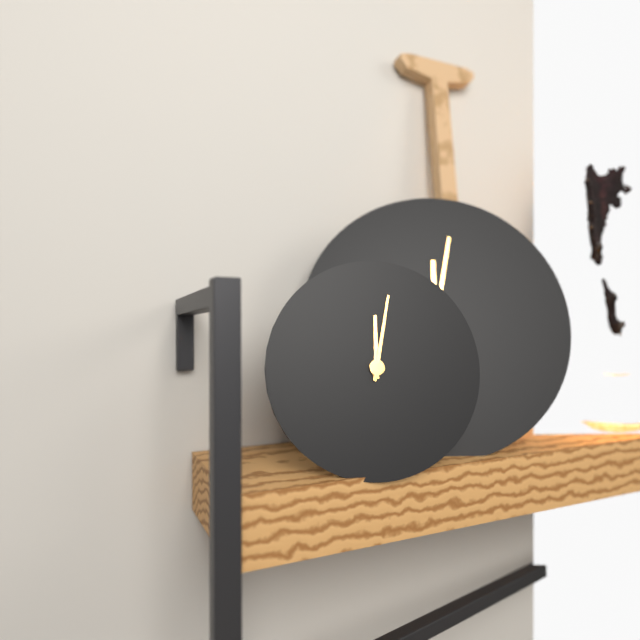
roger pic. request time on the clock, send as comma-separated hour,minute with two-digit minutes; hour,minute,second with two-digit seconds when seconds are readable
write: 12,02
